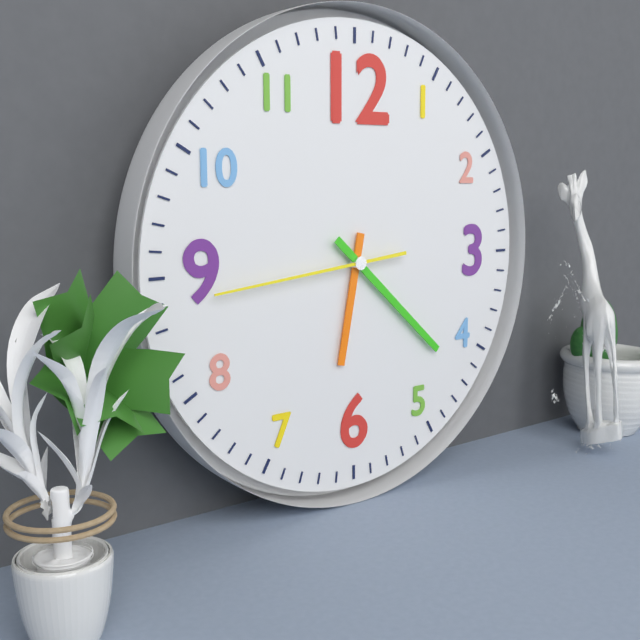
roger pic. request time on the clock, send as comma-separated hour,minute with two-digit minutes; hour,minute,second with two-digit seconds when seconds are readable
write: 6,22,44
